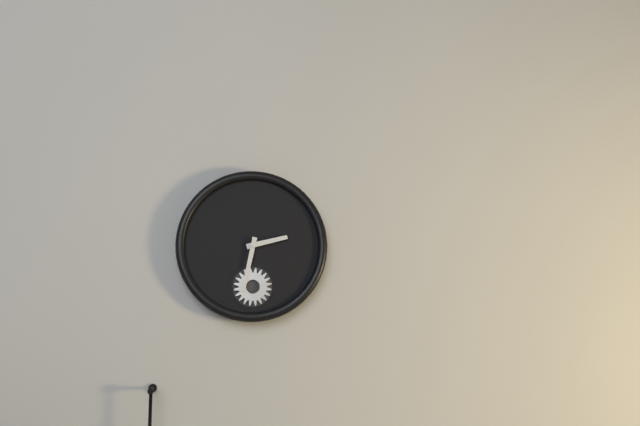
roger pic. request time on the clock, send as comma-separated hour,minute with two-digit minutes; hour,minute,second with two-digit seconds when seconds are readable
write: 2,32
